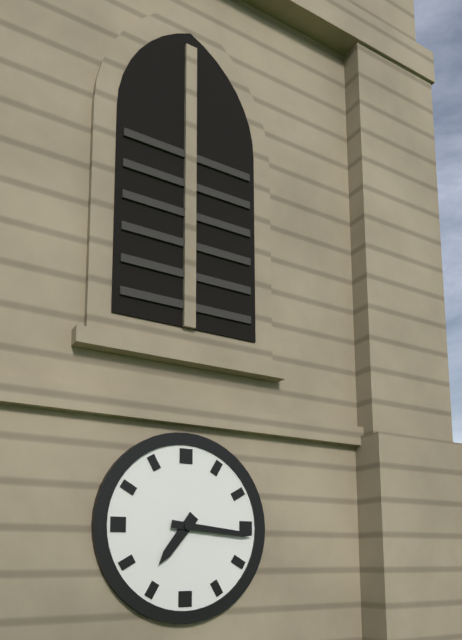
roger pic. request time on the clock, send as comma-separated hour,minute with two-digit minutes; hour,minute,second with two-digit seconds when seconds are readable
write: 7,16
